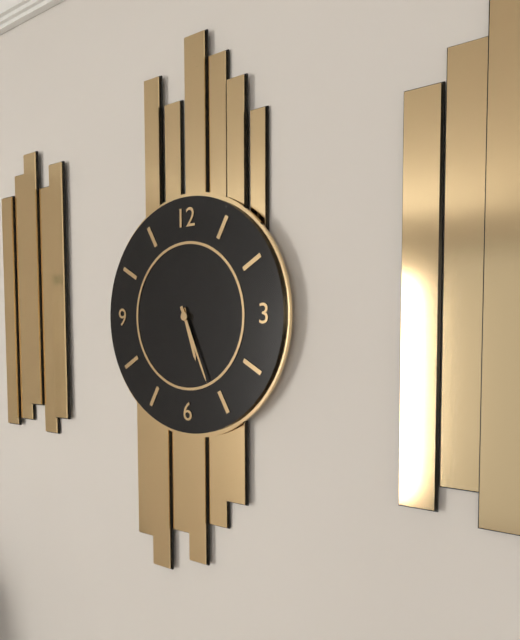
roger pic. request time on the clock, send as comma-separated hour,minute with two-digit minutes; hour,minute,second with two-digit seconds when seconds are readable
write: 5,26
